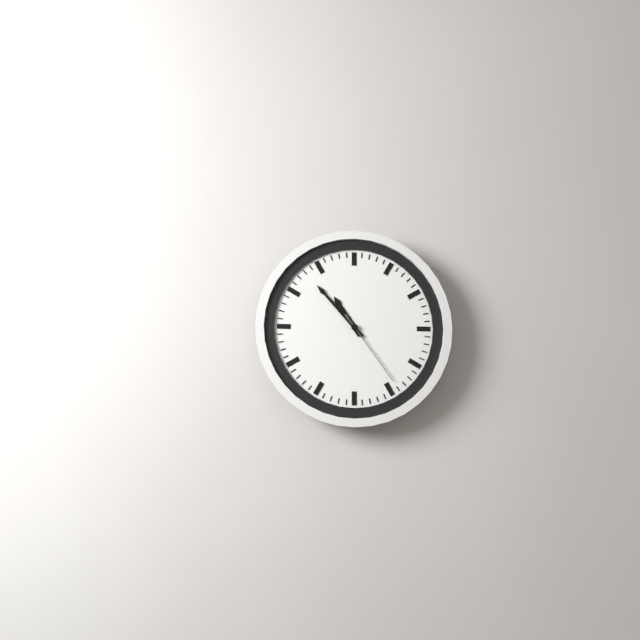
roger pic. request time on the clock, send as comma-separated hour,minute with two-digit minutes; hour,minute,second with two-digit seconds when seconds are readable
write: 10,53,24
